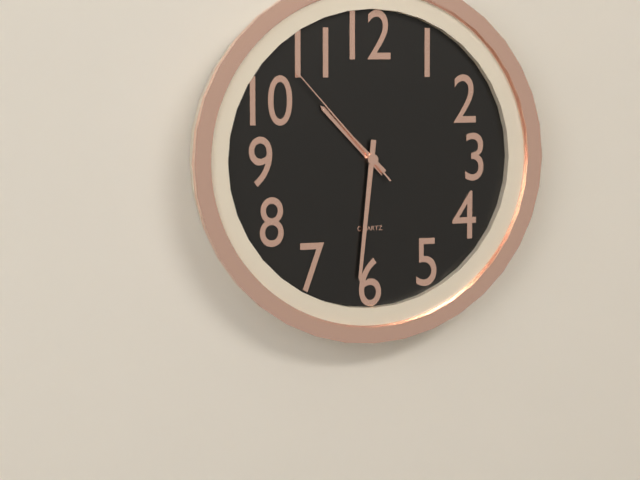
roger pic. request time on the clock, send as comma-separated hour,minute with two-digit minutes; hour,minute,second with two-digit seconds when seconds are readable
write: 10,31,53
